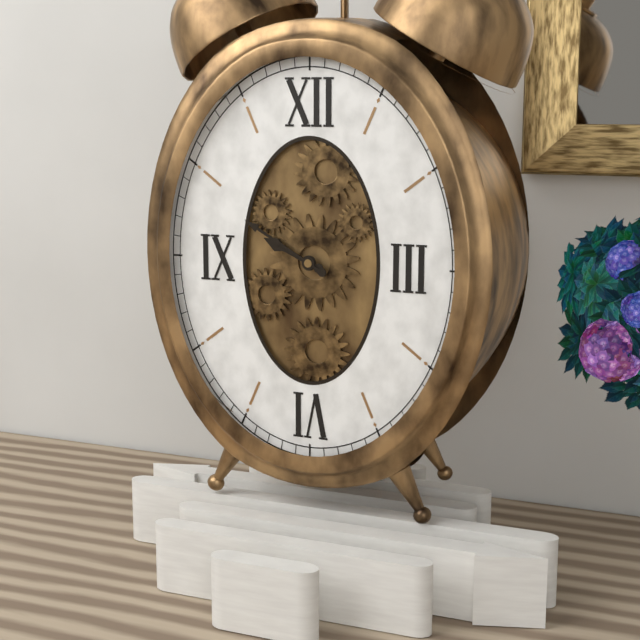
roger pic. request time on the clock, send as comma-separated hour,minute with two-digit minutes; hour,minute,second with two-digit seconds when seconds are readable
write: 9,50
